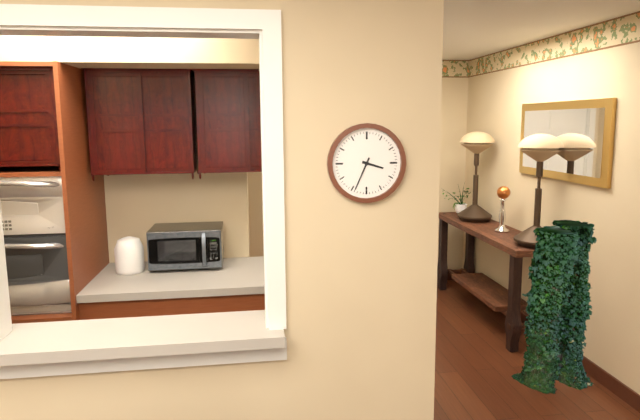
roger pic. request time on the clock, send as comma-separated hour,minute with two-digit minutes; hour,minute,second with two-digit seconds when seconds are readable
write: 3,34
